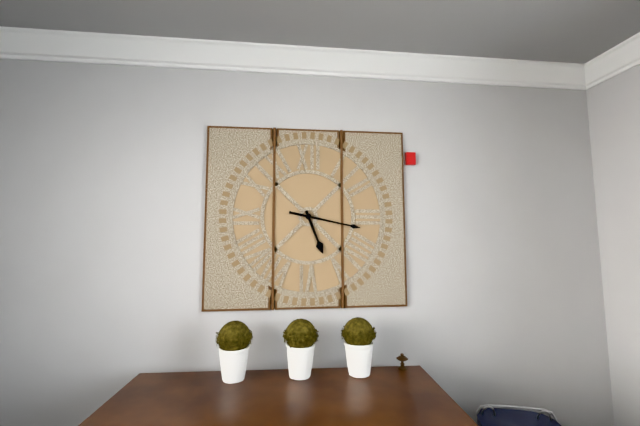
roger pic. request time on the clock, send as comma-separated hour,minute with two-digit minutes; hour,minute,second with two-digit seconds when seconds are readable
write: 5,17
